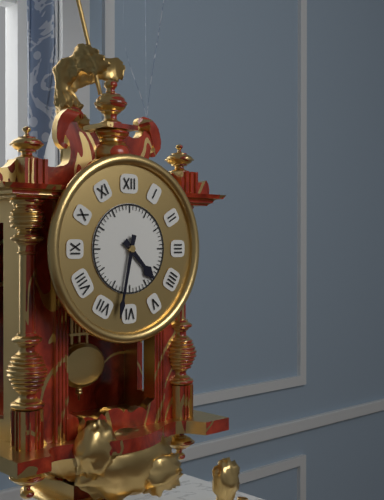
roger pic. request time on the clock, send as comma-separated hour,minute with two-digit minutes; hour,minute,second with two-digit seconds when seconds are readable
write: 4,32
